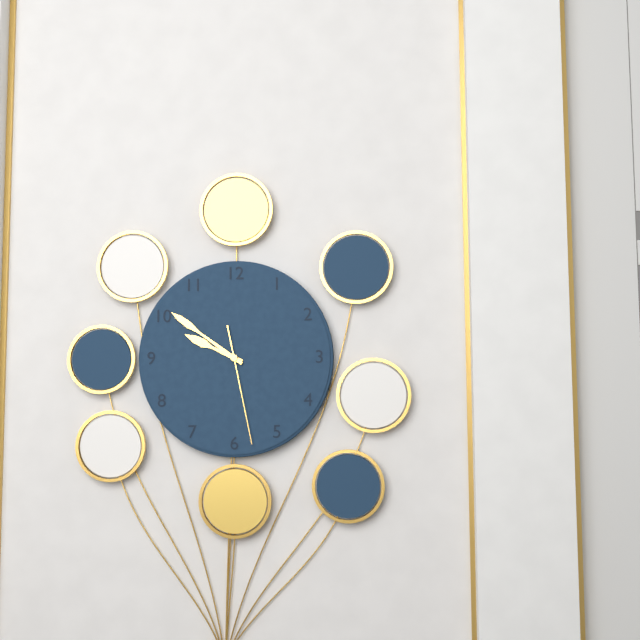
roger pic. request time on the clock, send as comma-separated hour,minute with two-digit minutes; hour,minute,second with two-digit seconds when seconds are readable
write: 9,51,28
